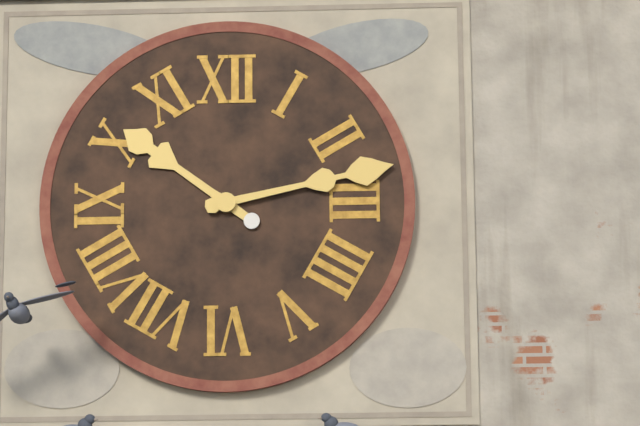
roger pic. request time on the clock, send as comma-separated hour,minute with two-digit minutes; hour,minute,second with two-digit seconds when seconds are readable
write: 10,13
